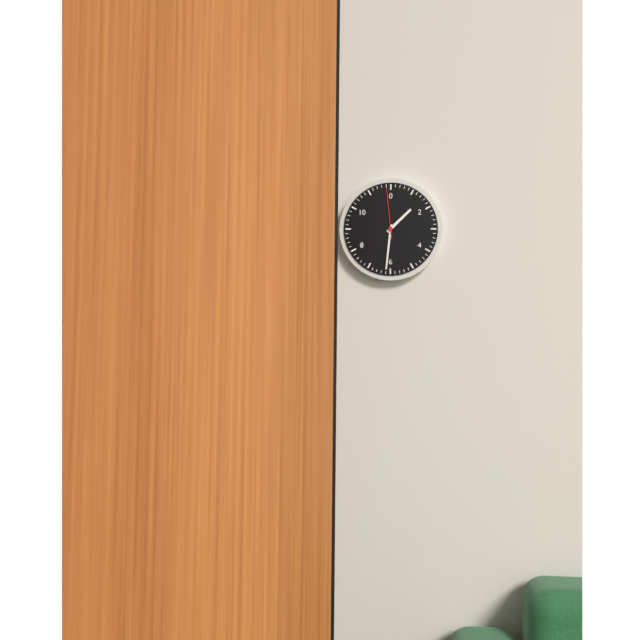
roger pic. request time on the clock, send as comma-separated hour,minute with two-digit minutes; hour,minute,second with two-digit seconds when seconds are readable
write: 1,31,59
